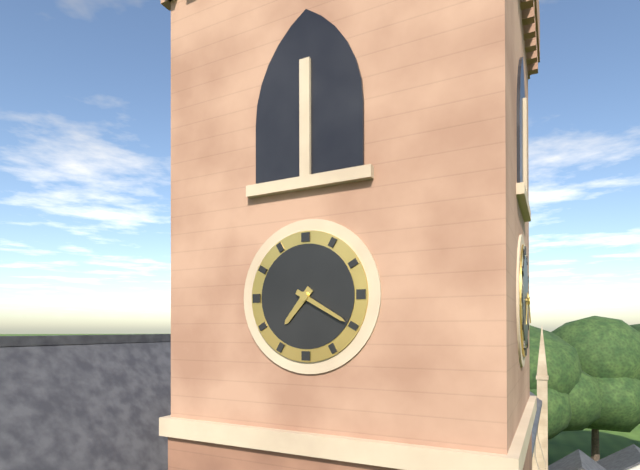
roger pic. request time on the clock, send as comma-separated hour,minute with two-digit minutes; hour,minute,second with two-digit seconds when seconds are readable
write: 7,20
